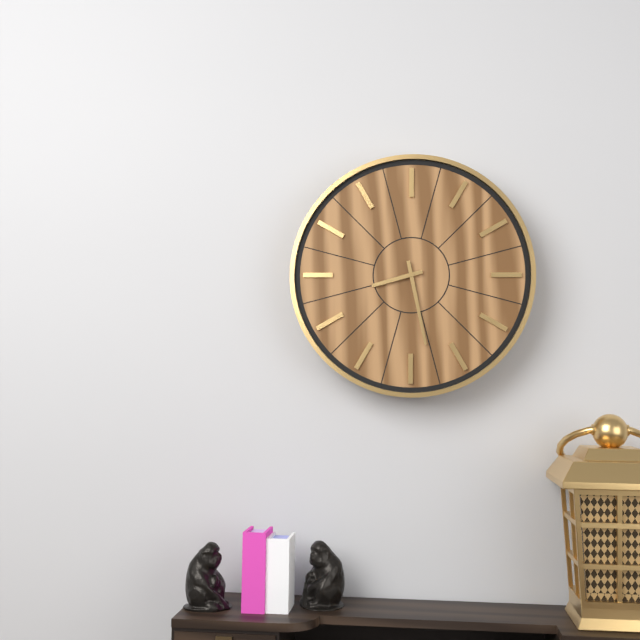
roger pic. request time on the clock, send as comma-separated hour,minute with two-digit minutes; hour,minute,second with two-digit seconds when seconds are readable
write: 8,28
